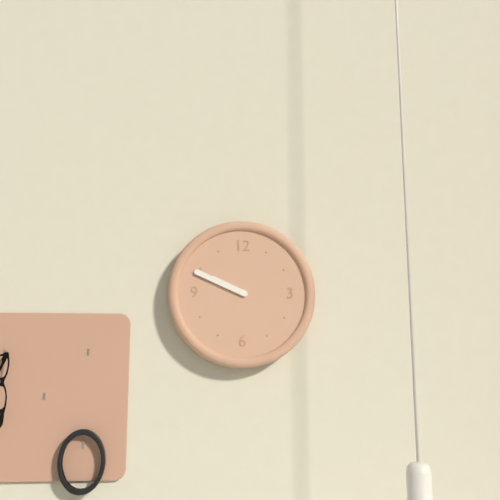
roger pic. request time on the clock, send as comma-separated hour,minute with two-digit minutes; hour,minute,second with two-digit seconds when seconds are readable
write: 9,49
